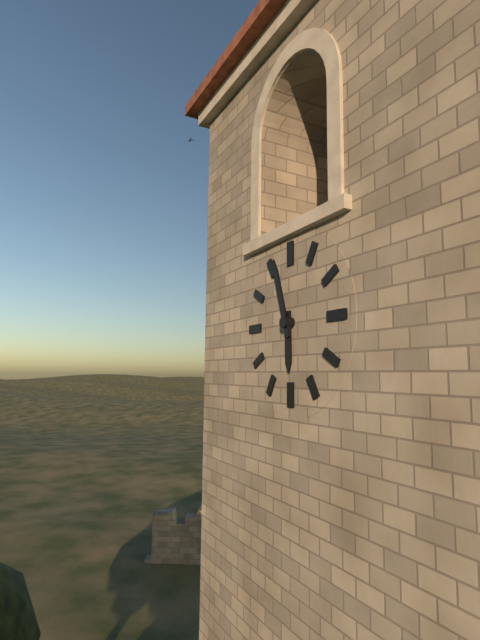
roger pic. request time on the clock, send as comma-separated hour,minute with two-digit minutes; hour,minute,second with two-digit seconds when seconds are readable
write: 5,57
